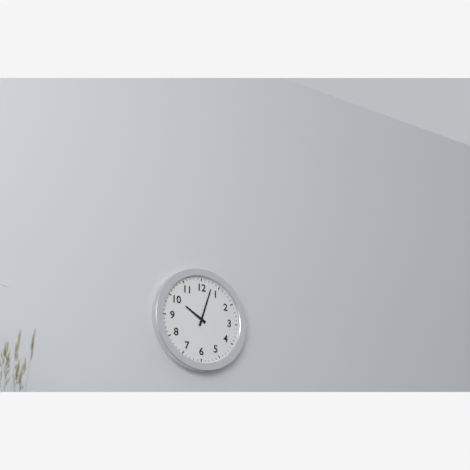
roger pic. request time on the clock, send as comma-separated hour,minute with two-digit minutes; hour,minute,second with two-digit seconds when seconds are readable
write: 10,03
